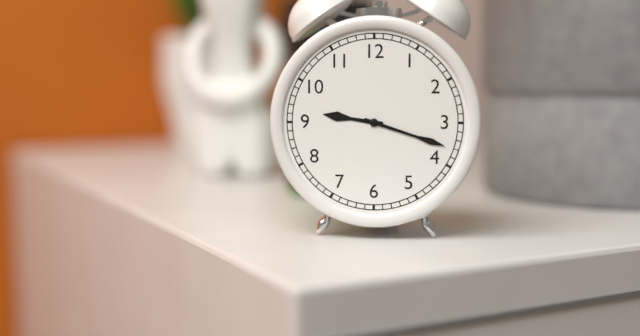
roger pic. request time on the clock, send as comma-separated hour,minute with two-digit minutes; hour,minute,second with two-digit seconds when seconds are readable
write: 9,18
